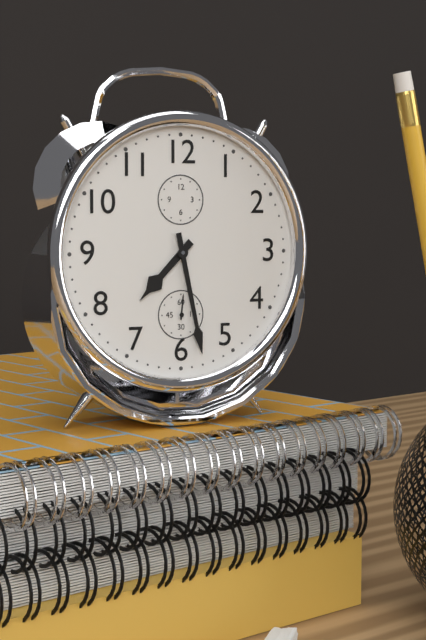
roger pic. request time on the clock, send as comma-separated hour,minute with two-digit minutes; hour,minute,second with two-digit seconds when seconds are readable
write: 7,28
